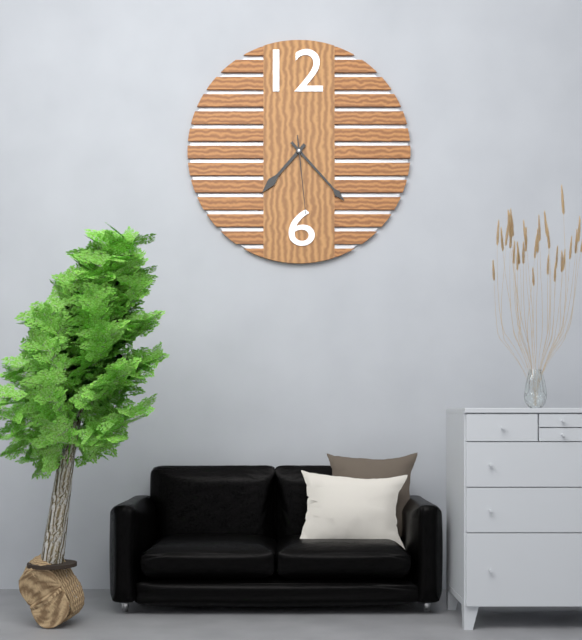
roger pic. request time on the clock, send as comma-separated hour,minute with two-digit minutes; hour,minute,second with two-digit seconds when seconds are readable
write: 7,23,29
